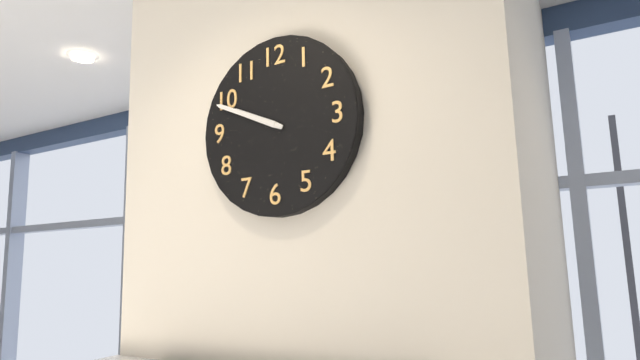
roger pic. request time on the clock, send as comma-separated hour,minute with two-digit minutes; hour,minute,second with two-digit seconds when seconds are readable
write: 9,49
